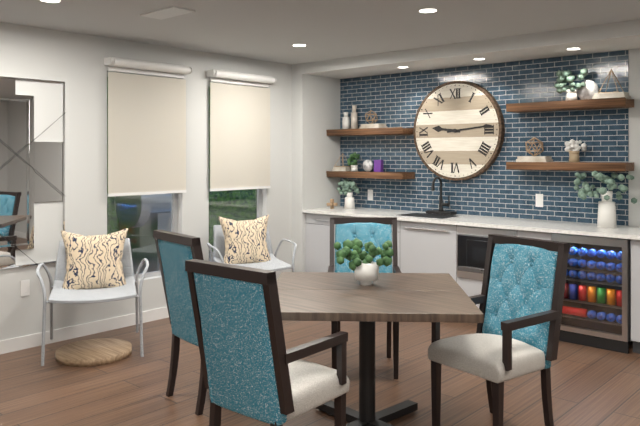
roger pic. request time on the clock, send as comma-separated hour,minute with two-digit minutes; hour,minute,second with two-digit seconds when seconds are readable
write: 9,14
